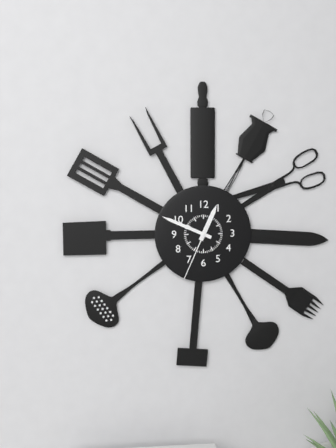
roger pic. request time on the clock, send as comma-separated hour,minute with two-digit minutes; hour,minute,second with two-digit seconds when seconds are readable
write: 12,49,34
